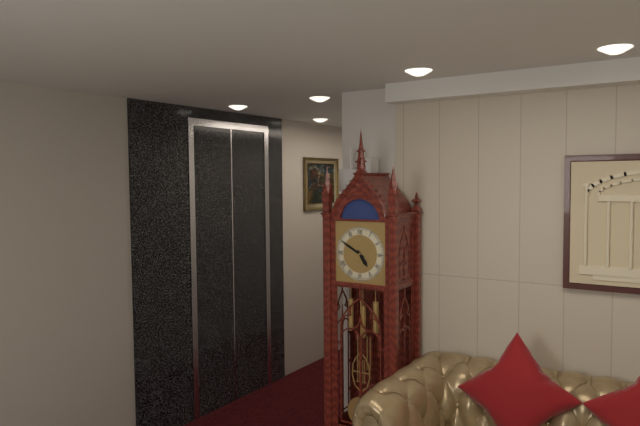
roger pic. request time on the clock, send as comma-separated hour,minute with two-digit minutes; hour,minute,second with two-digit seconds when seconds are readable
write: 4,50
